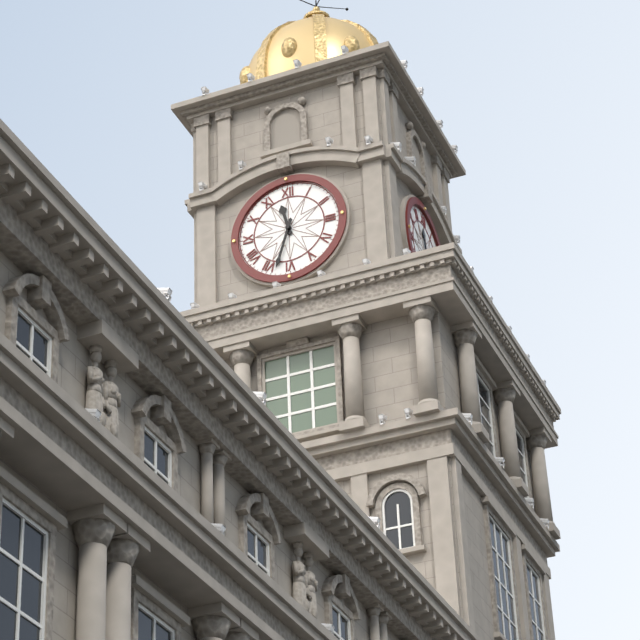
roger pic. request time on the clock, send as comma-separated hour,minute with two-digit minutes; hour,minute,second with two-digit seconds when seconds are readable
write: 11,33
